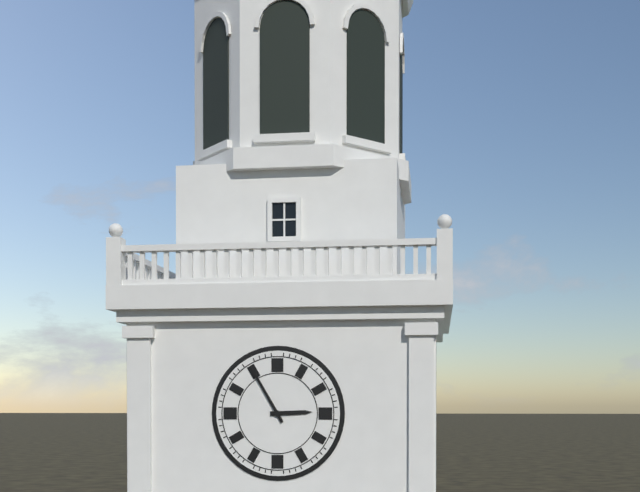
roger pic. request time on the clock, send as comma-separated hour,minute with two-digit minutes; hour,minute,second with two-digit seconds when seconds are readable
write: 2,55
